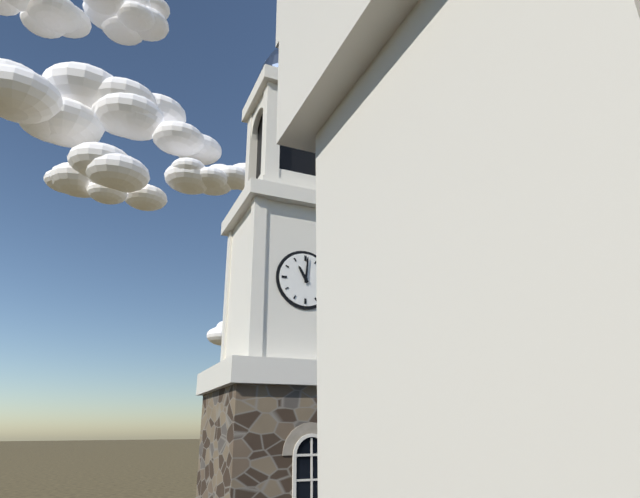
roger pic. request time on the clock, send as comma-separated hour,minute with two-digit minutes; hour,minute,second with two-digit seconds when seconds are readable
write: 11,01
